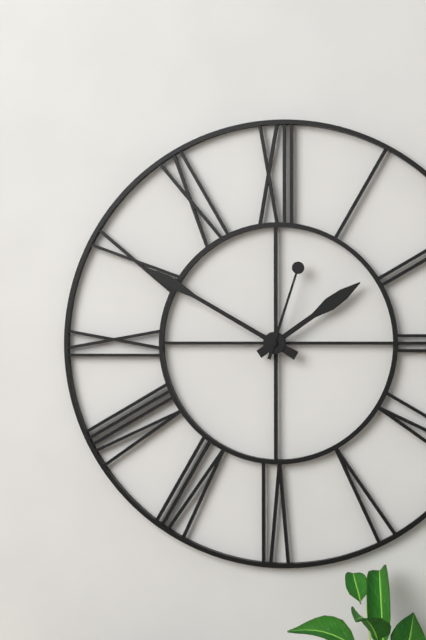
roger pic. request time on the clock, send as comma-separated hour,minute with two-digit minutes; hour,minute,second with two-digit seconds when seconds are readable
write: 1,50,03
